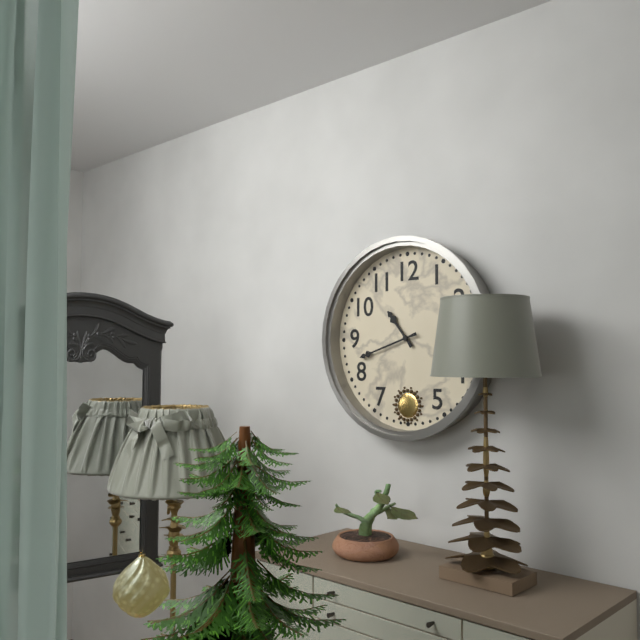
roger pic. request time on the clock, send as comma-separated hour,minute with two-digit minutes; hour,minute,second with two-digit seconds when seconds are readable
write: 10,42
